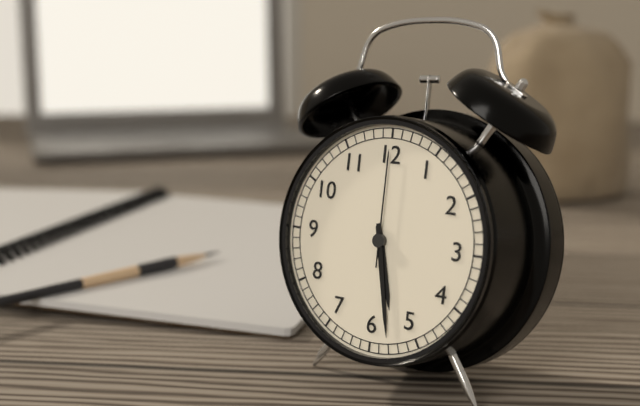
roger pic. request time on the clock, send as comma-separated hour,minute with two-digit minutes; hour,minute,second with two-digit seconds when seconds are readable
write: 5,28,00
